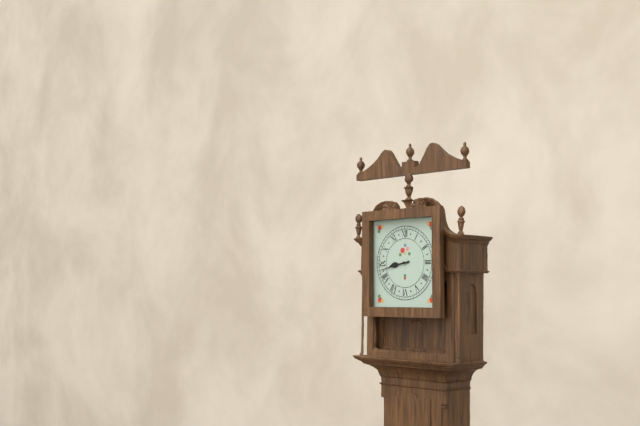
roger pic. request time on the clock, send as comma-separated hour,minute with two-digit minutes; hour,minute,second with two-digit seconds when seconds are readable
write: 8,43
